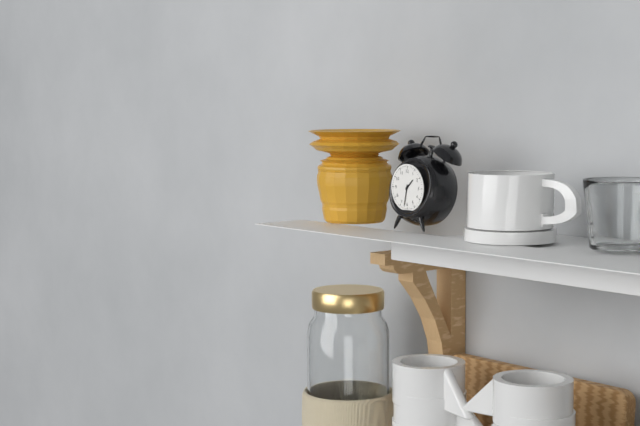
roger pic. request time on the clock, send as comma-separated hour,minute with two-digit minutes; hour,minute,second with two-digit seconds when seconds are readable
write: 1,32
